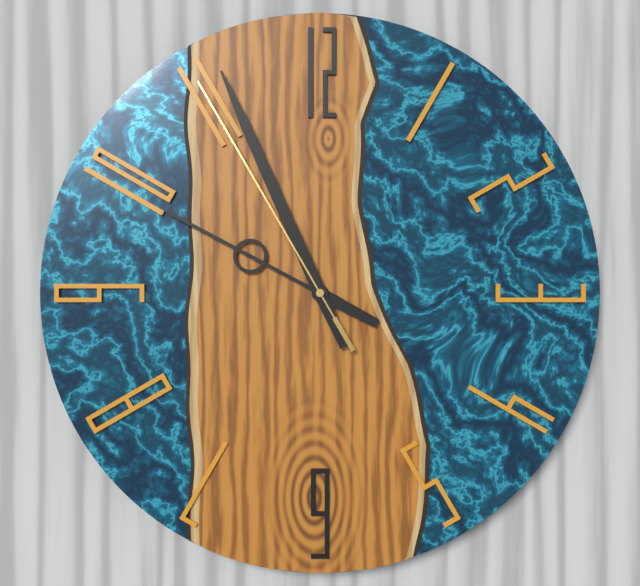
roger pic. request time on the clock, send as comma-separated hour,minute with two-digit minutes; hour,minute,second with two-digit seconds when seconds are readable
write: 9,56,55
